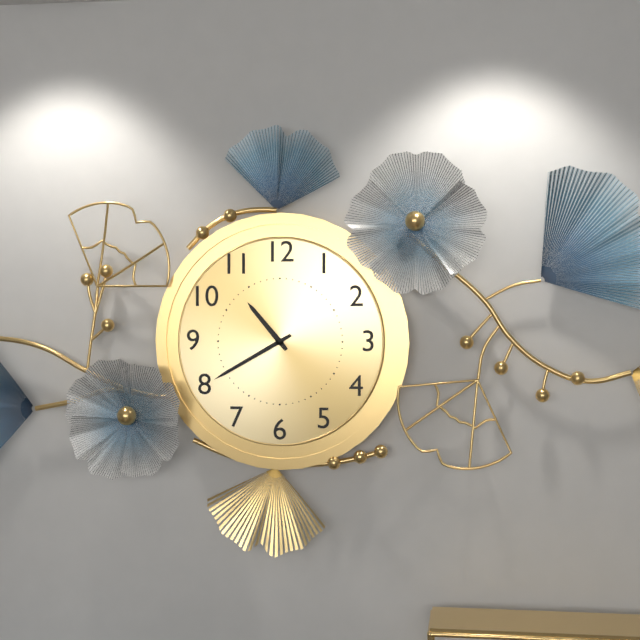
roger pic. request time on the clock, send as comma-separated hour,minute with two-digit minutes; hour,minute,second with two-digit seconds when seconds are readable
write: 10,40
